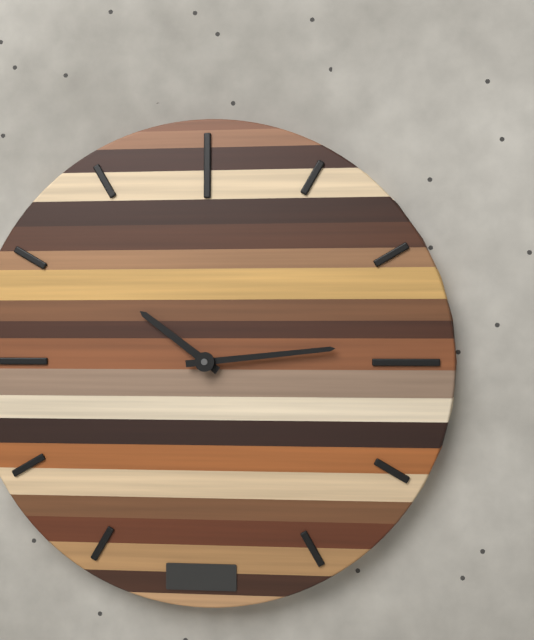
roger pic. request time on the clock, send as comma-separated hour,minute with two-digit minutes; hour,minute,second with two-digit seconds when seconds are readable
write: 10,14
